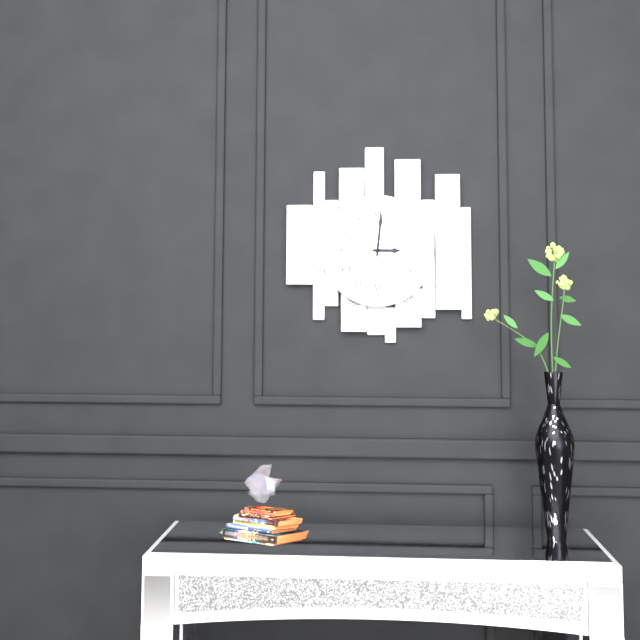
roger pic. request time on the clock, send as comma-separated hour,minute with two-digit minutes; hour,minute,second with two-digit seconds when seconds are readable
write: 3,01
